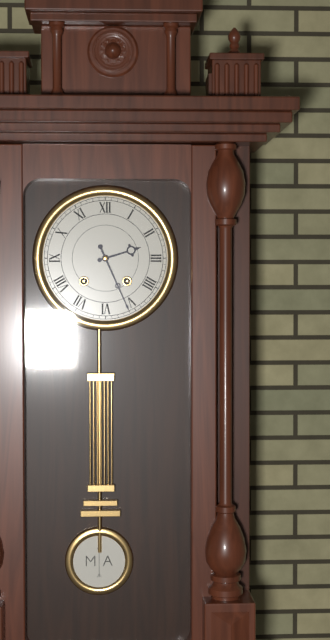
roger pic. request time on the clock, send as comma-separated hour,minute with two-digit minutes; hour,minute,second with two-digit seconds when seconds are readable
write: 2,26
